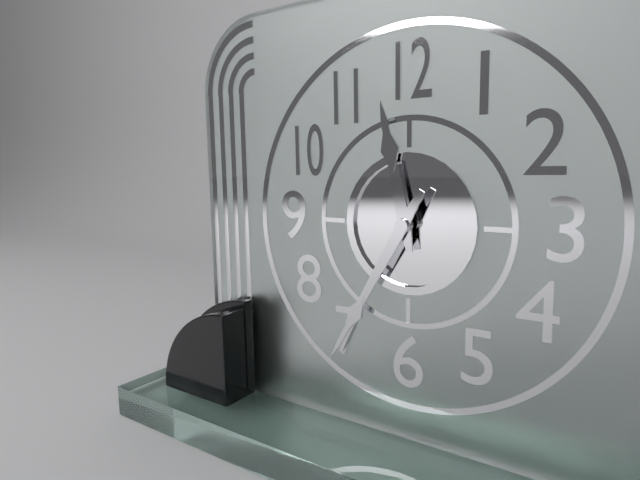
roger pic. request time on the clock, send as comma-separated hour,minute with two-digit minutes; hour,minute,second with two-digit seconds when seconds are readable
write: 11,35
